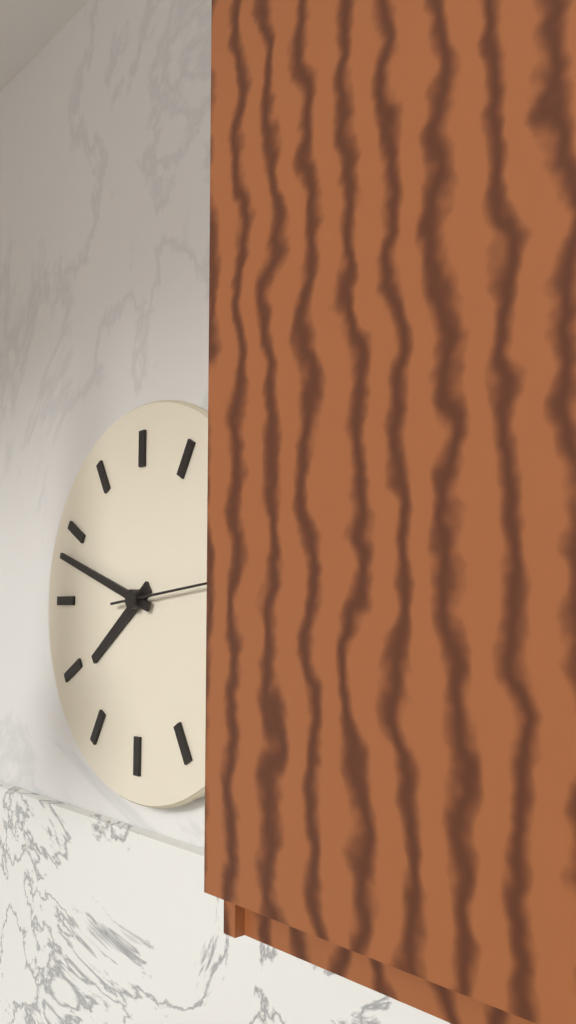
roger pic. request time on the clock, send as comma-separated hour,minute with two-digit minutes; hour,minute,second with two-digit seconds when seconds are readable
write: 7,48,14
